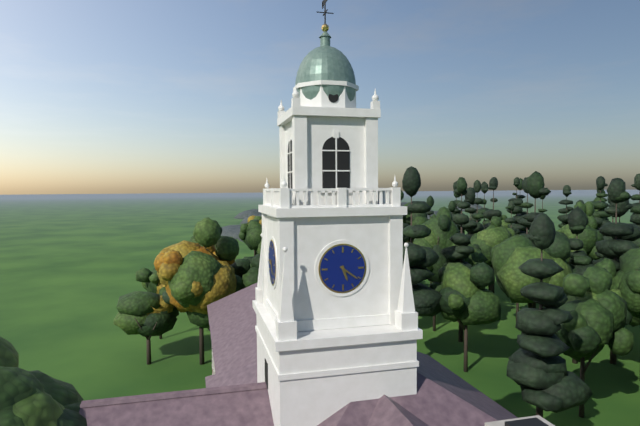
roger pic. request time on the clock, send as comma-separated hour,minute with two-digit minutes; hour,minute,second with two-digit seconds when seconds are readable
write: 5,21
